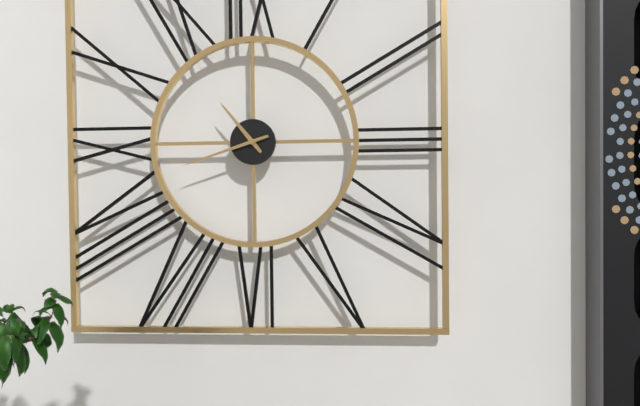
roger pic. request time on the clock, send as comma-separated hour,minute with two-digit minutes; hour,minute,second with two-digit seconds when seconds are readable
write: 10,42
